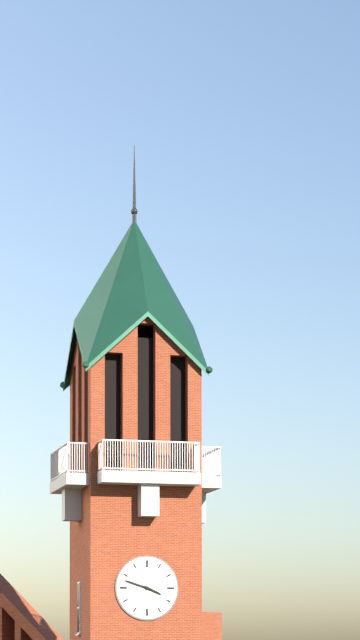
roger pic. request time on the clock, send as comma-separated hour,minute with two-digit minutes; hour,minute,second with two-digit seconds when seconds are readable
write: 3,48
